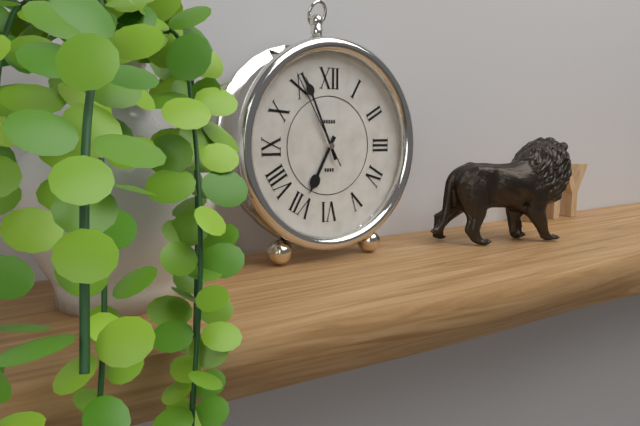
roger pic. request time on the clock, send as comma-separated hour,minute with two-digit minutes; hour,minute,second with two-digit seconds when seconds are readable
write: 6,56,55
